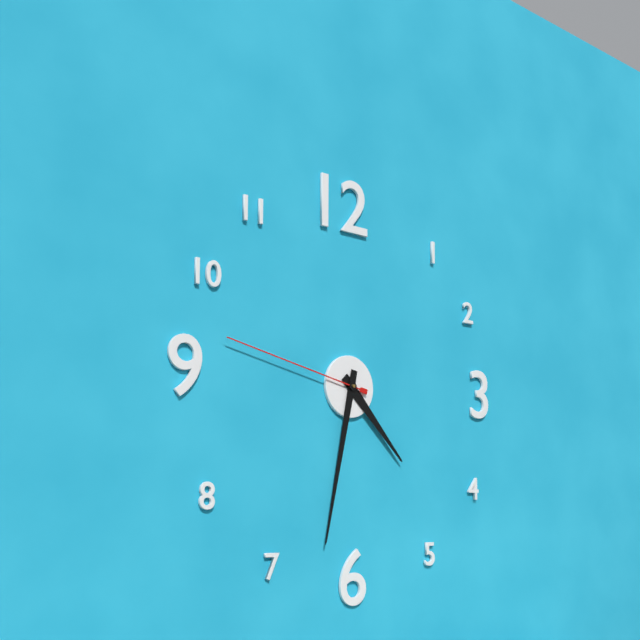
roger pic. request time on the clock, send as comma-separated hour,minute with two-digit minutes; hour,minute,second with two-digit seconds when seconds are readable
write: 4,32,47
